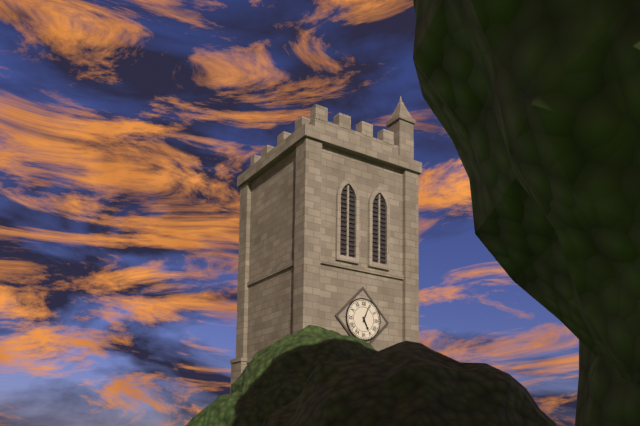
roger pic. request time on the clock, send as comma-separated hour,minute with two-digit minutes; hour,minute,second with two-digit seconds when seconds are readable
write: 5,04
